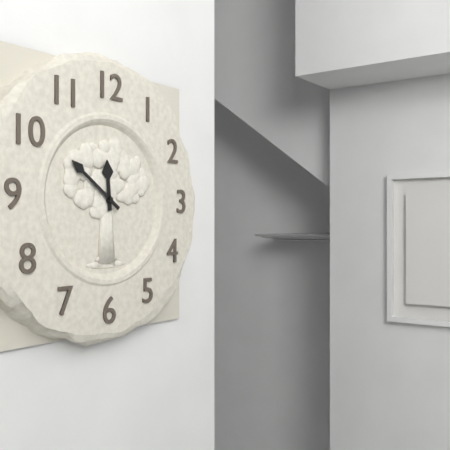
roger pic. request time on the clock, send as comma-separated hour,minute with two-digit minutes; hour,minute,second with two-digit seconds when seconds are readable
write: 11,51
